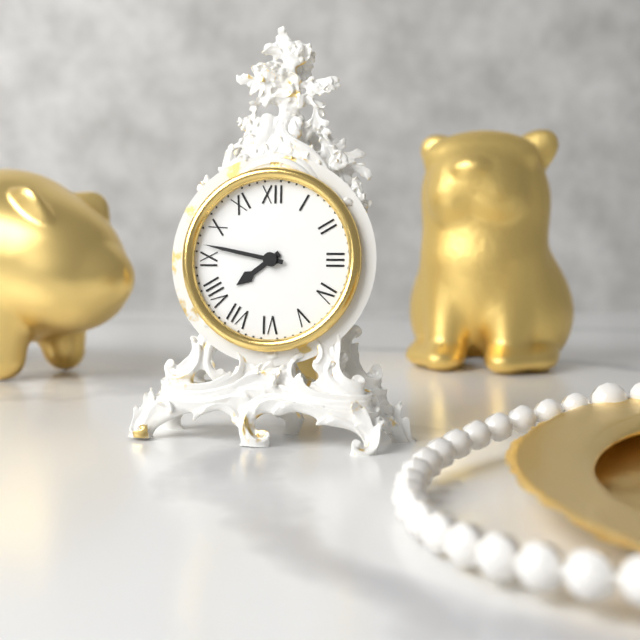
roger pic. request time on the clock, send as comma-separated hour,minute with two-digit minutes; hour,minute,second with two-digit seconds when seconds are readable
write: 7,47
